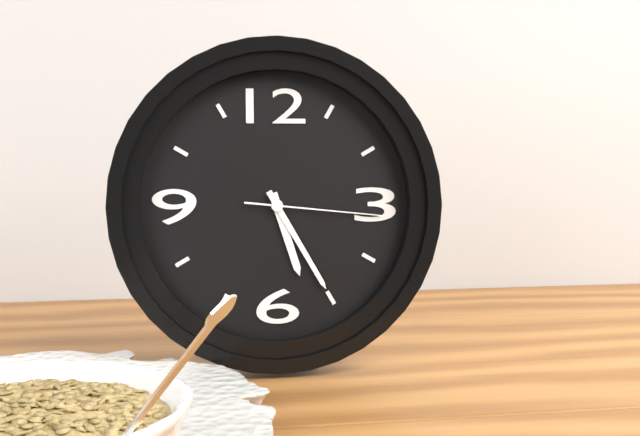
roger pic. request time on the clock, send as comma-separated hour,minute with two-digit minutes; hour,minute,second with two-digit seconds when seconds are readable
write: 5,25,16
